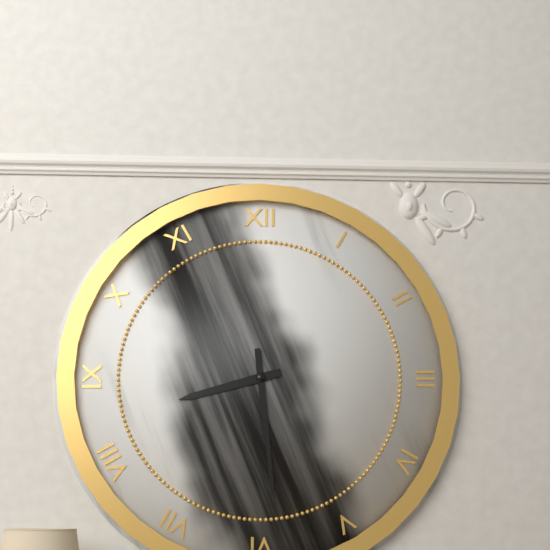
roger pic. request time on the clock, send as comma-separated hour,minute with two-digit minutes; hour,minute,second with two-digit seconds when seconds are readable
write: 8,29
